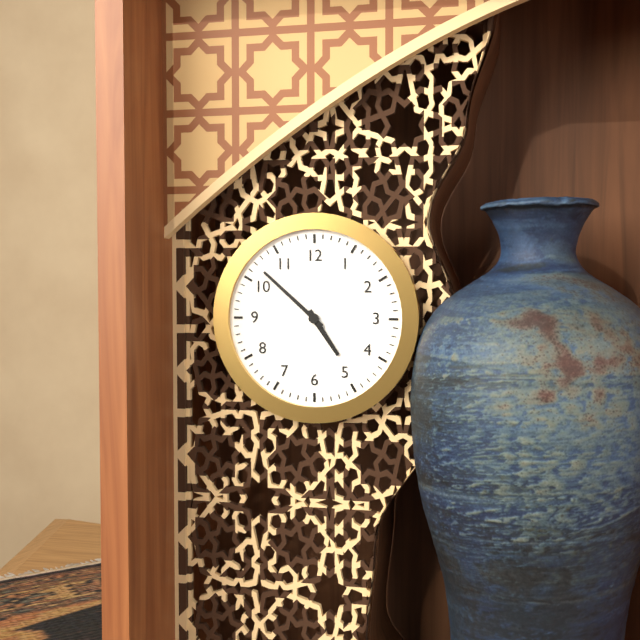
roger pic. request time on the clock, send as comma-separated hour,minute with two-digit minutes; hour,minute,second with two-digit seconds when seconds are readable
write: 4,52
